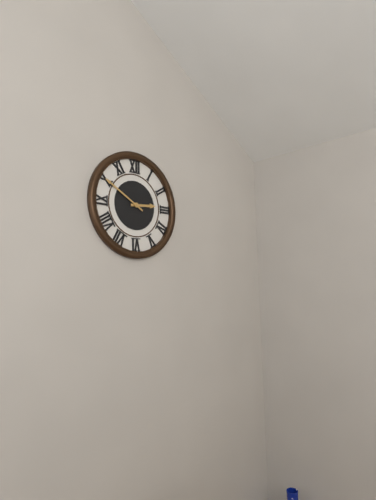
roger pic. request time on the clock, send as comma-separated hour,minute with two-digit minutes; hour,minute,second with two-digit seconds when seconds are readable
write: 2,50
